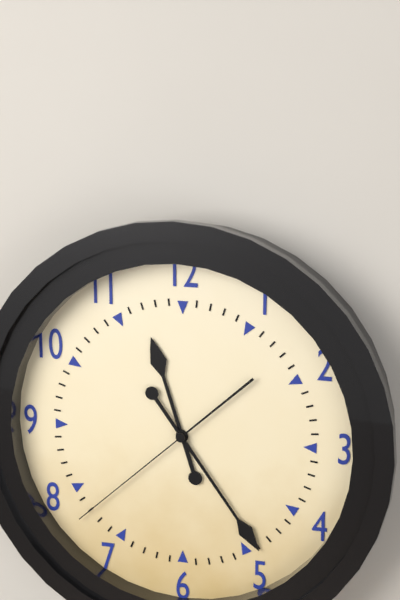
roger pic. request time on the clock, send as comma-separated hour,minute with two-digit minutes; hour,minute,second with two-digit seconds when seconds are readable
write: 11,24,38
